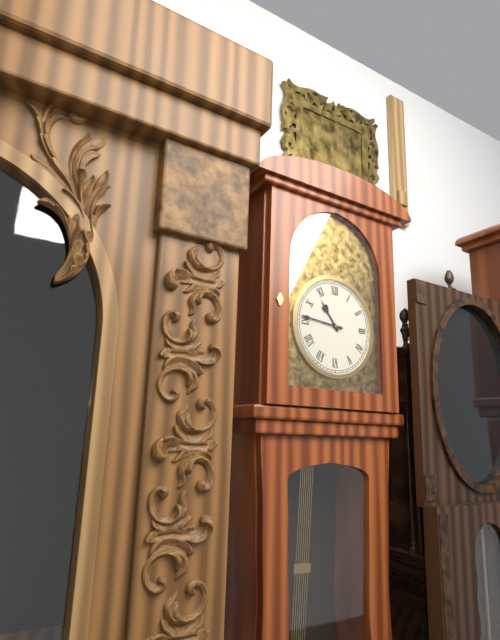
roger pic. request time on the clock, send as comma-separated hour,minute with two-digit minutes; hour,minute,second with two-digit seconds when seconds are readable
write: 10,46
